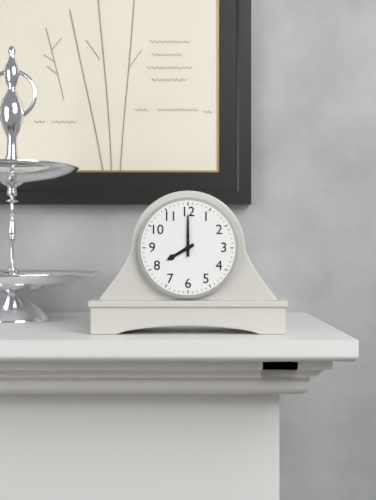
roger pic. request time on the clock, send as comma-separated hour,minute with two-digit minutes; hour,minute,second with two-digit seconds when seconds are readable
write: 8,00
